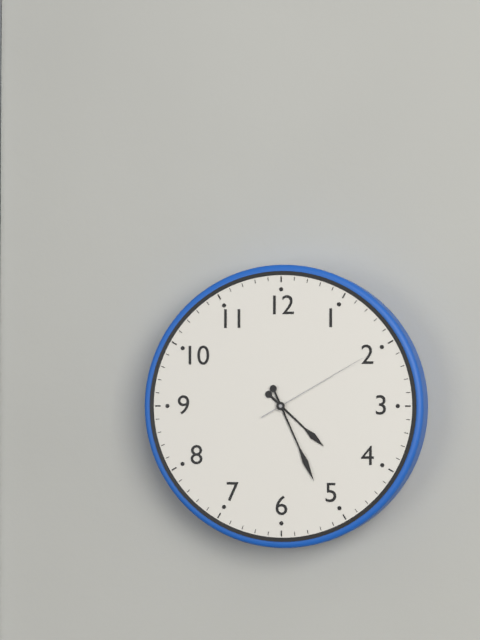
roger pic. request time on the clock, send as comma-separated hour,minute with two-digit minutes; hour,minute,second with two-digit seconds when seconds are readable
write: 4,26,10
